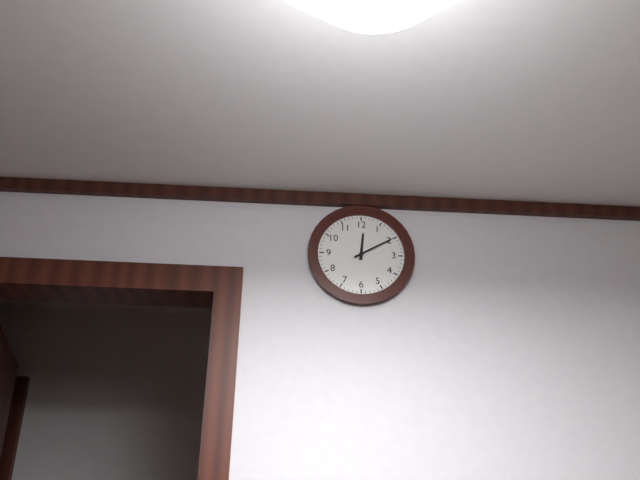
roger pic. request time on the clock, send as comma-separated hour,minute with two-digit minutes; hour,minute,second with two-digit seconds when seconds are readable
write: 12,10
